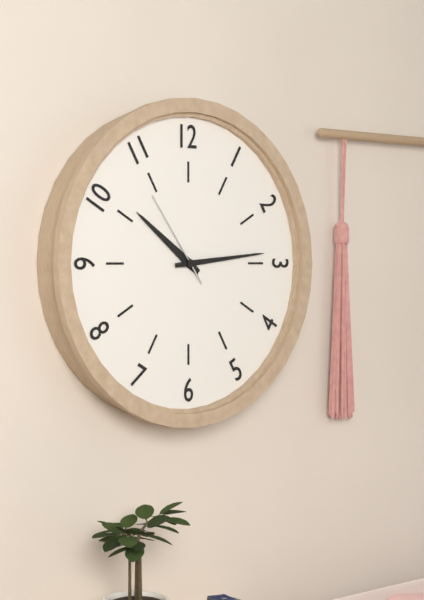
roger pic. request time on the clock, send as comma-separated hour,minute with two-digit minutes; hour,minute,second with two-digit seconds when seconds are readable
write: 10,14,54
